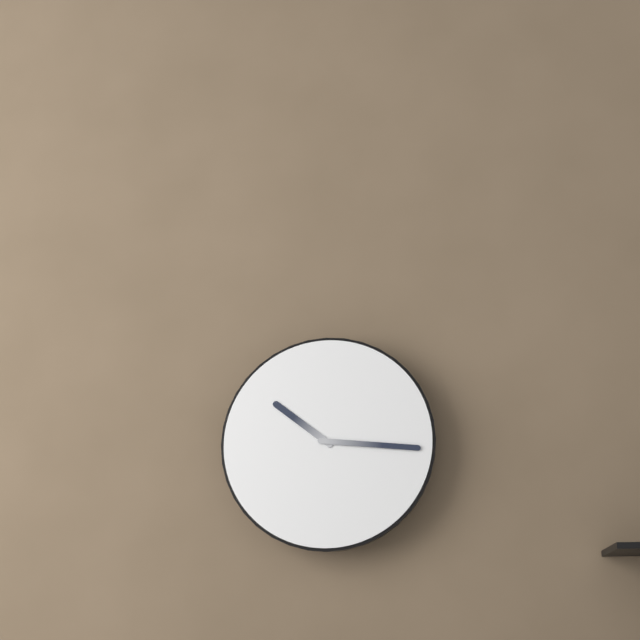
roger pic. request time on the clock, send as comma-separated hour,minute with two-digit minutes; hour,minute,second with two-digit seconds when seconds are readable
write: 10,16
